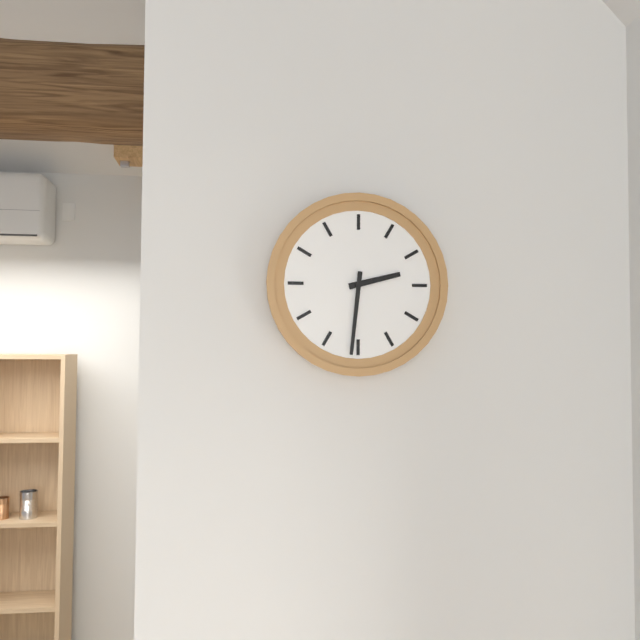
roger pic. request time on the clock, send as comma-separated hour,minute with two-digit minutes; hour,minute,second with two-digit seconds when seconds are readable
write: 2,31
